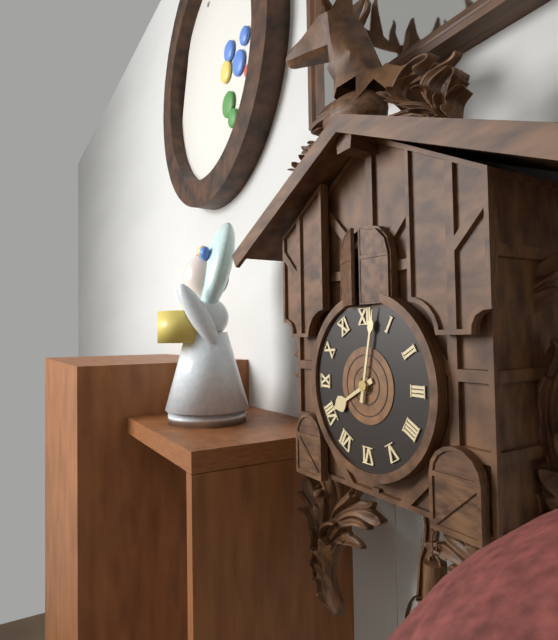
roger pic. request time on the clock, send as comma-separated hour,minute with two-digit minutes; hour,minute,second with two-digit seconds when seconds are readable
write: 8,02
